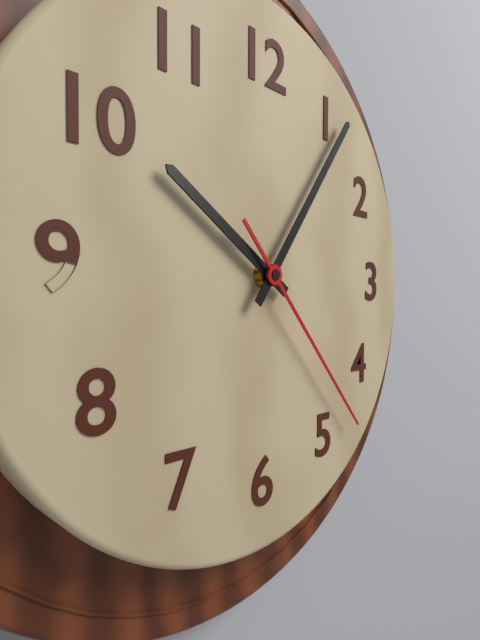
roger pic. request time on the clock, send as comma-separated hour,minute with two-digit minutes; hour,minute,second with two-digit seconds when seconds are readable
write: 10,06,23
